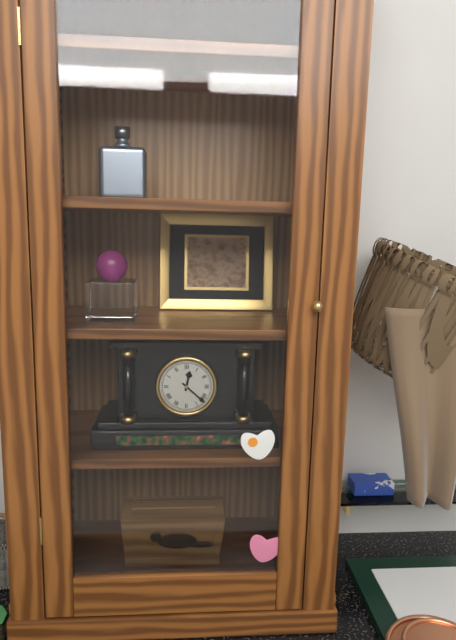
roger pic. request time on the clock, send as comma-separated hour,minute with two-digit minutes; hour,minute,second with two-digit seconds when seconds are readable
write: 12,22
